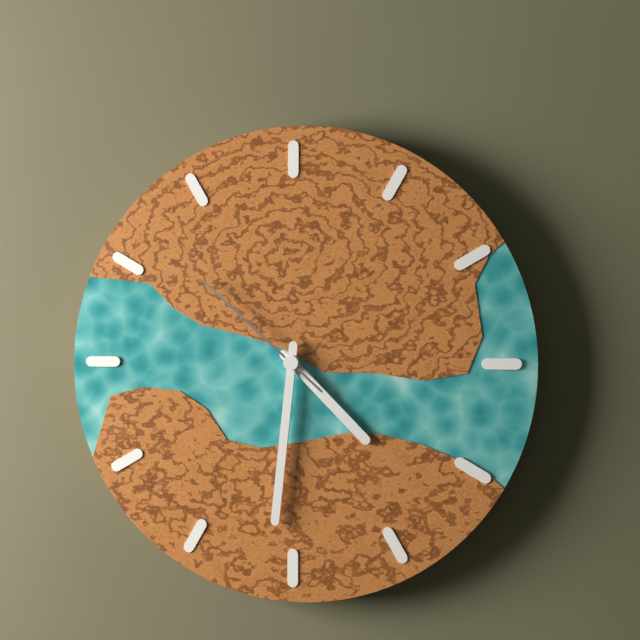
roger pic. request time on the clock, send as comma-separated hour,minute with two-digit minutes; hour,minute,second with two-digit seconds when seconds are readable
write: 4,31,52
